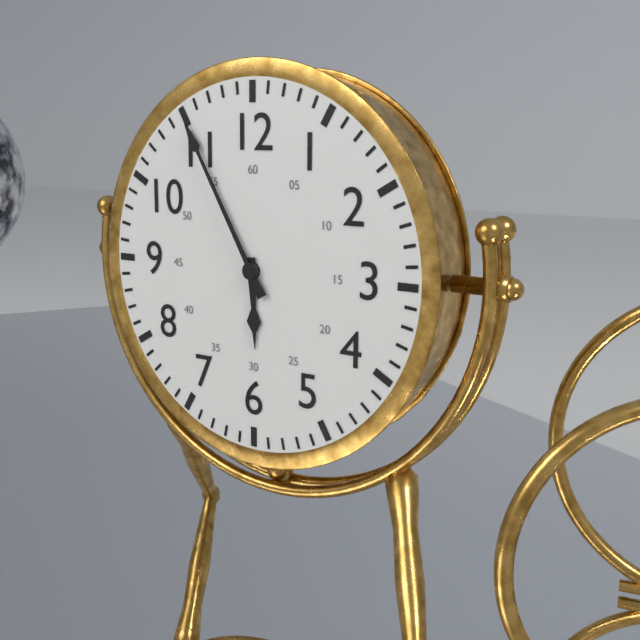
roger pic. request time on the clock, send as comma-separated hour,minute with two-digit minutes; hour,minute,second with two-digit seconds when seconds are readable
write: 5,55
